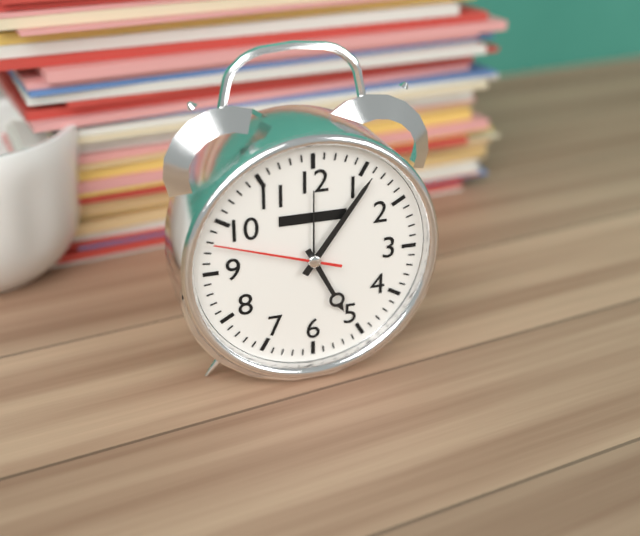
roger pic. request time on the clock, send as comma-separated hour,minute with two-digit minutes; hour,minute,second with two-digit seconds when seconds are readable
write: 5,06,48
